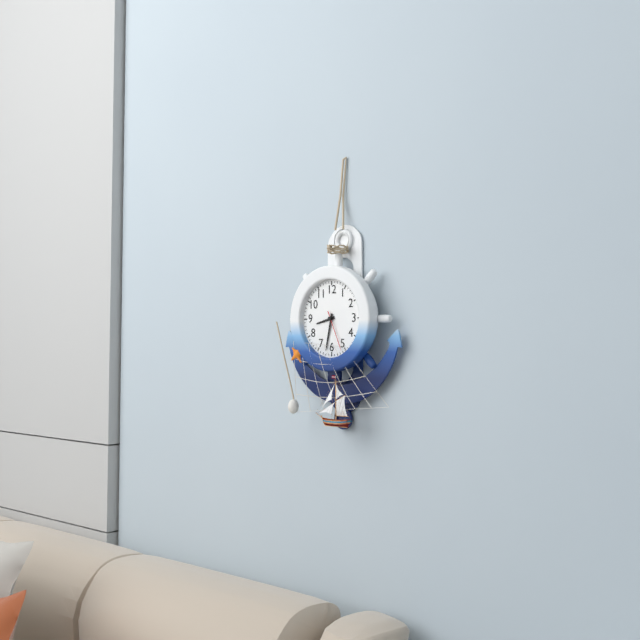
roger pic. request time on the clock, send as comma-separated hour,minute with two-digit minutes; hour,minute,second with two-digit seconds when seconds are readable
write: 8,32
